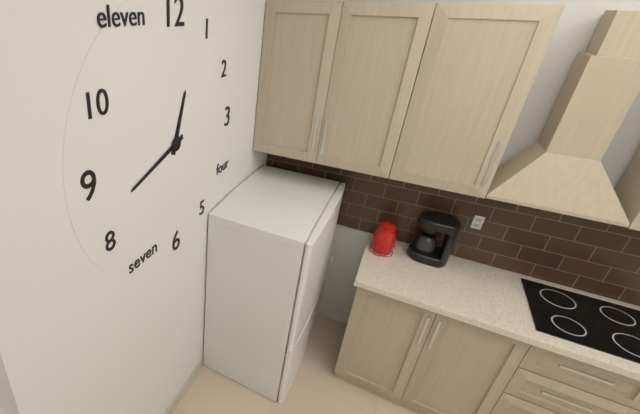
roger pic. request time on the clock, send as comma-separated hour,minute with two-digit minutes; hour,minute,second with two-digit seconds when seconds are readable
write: 12,42
